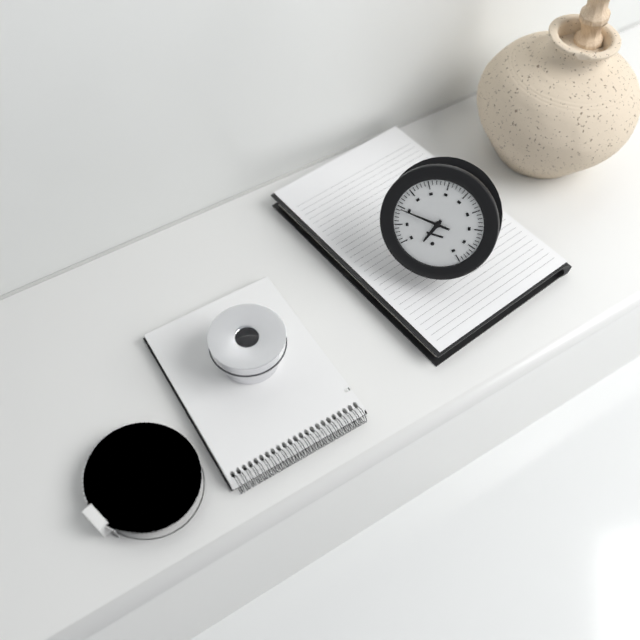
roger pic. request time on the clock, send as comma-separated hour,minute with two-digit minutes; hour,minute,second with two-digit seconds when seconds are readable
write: 6,46
